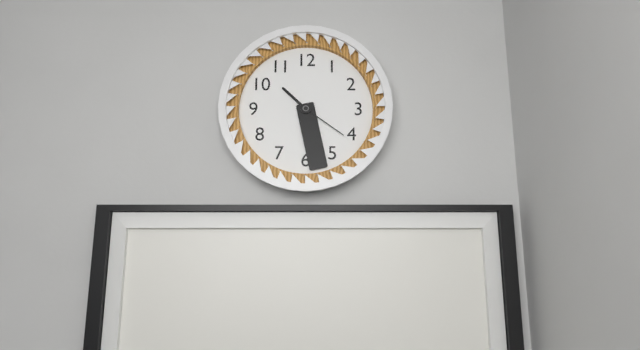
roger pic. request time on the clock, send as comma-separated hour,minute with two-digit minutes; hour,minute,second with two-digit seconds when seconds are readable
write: 10,28,21
